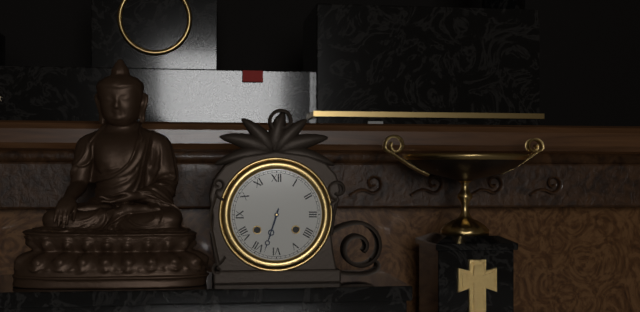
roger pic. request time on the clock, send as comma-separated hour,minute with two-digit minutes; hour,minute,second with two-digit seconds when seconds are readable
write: 6,33
